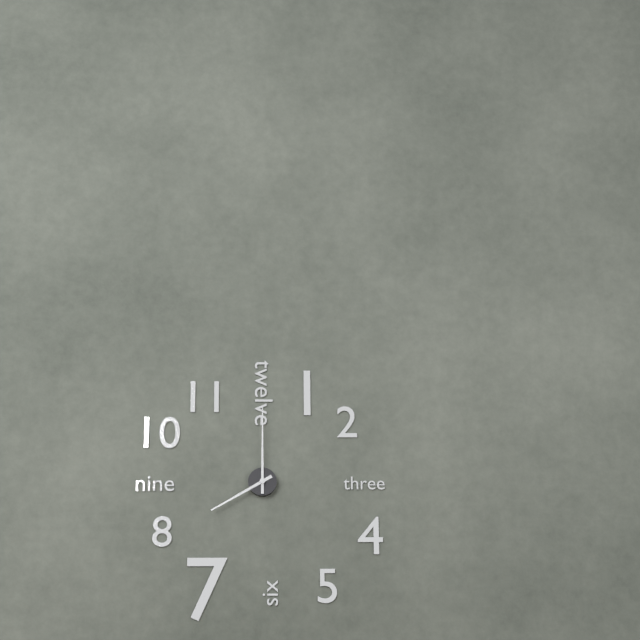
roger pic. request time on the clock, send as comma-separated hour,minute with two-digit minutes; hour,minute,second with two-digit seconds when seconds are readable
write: 8,00
